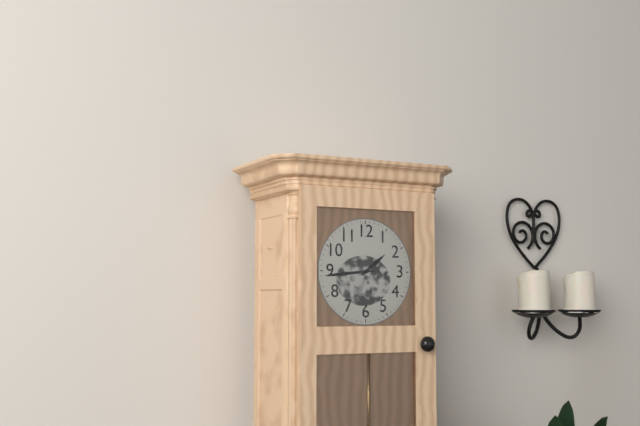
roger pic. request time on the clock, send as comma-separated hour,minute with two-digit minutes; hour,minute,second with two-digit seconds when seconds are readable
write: 1,44
